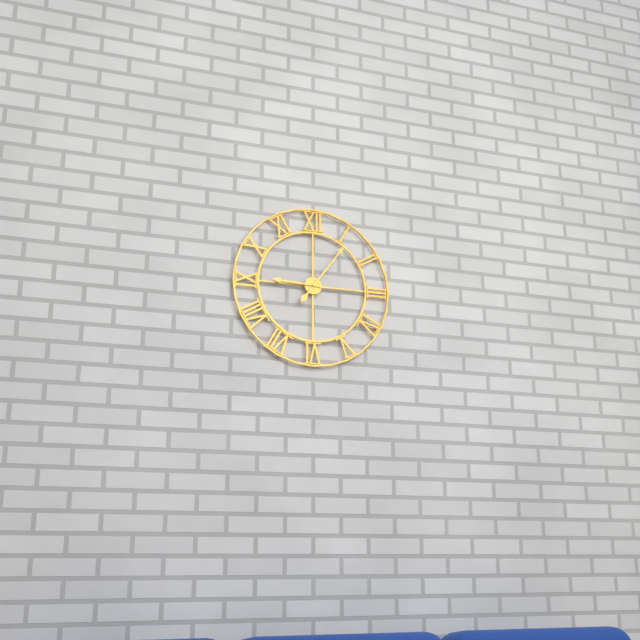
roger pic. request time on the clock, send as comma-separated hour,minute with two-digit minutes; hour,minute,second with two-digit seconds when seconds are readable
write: 9,06
